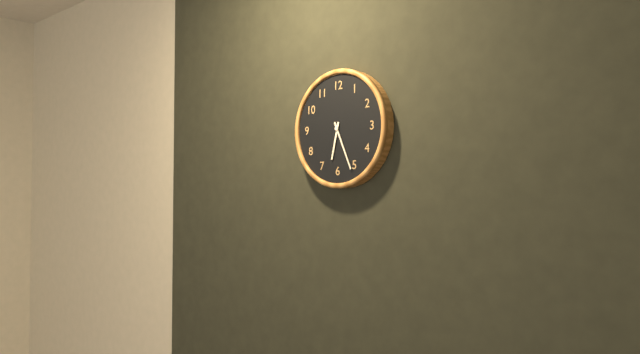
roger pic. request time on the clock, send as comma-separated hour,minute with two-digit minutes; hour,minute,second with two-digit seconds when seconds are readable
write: 6,26
